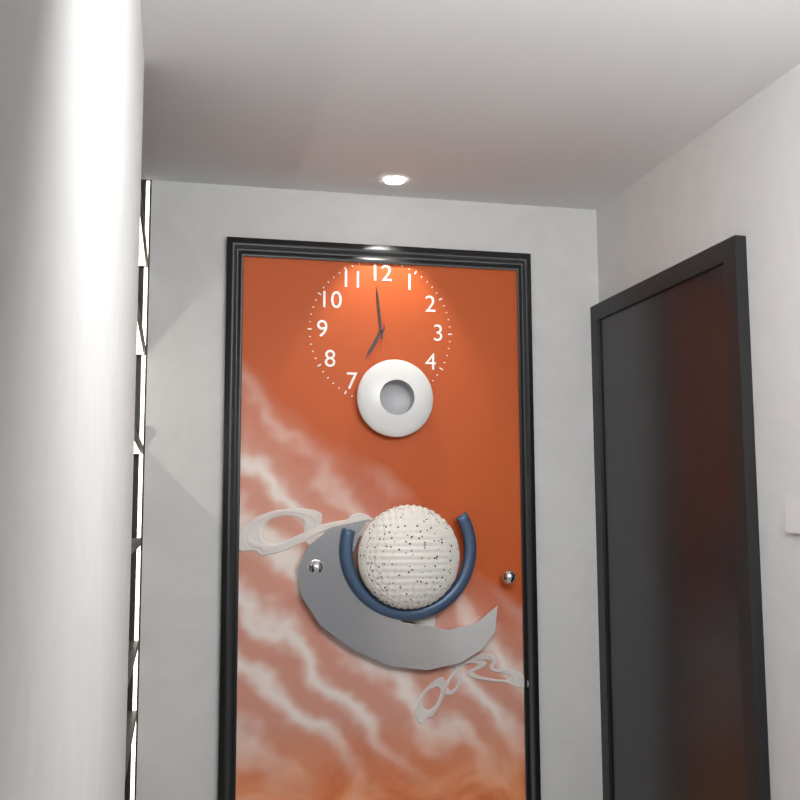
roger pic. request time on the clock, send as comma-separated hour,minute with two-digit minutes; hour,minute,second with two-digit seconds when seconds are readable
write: 6,59,33
